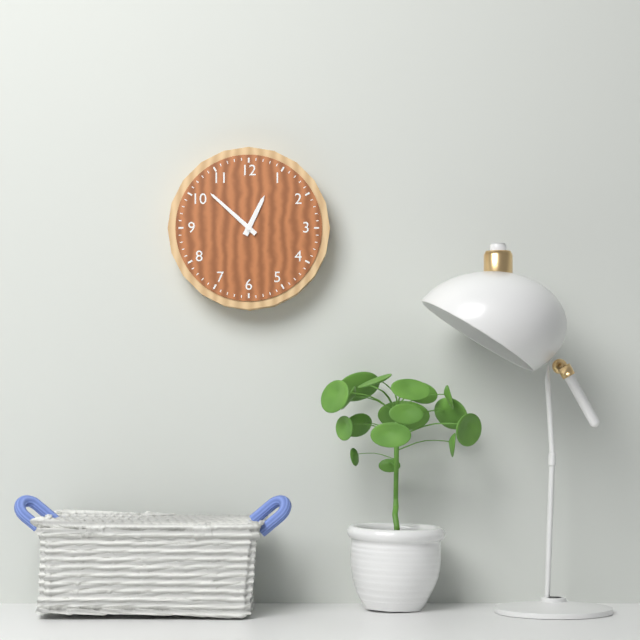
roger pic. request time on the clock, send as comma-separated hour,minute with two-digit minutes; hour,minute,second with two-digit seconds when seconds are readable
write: 12,52
